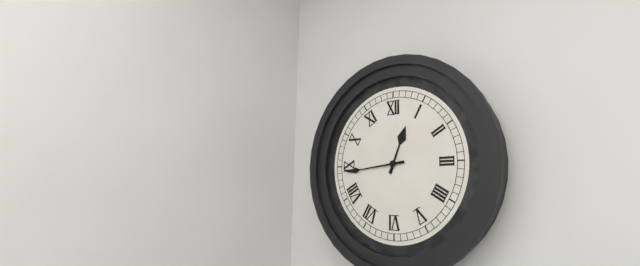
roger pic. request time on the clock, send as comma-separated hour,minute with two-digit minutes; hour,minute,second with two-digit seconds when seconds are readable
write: 12,44
